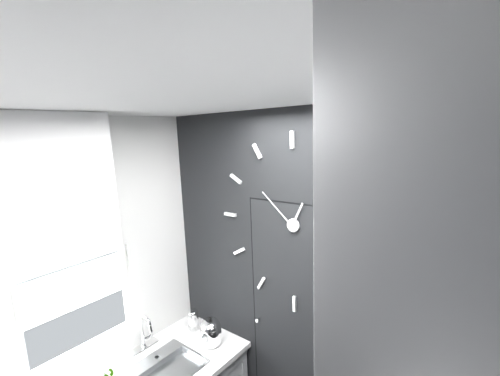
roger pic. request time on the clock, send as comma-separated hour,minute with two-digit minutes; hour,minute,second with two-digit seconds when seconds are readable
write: 12,52
